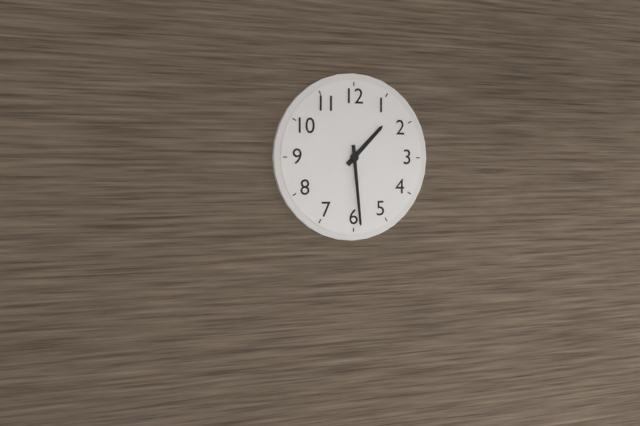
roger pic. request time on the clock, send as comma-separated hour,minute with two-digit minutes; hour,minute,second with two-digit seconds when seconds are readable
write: 1,29
